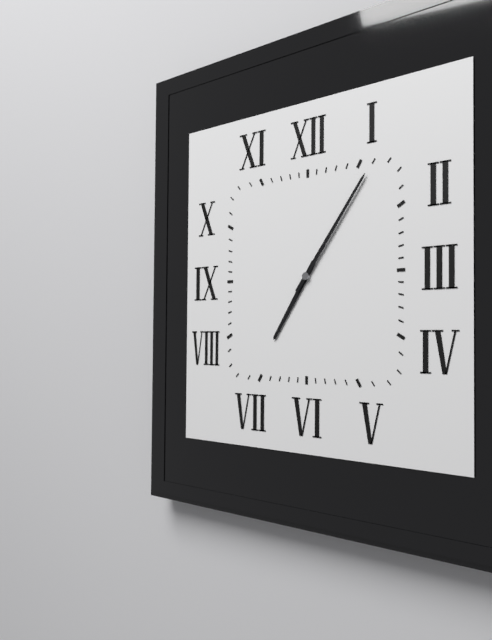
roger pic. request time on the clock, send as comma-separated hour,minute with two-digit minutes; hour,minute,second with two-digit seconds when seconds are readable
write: 7,06
